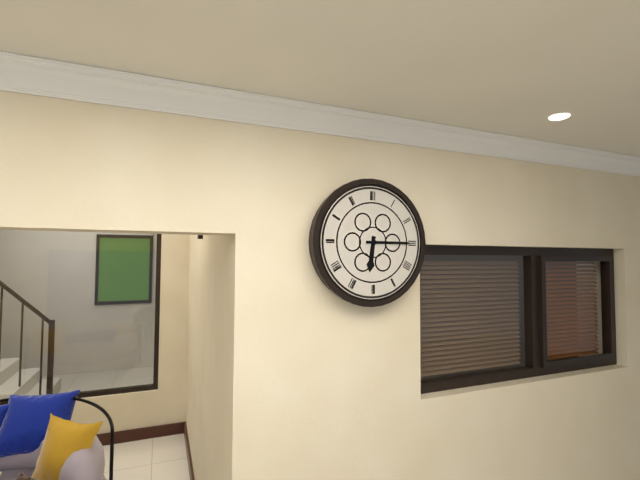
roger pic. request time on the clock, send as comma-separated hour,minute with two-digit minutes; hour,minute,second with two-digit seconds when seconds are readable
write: 6,15
